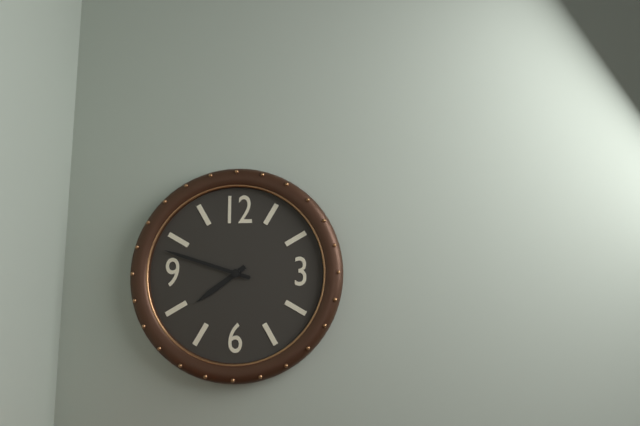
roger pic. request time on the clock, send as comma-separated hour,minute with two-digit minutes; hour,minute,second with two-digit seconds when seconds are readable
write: 7,48
